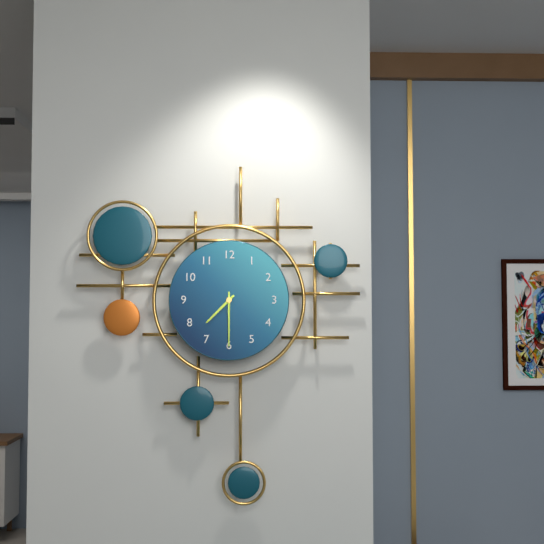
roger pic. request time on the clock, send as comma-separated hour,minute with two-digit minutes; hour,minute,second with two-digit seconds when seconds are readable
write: 7,30
